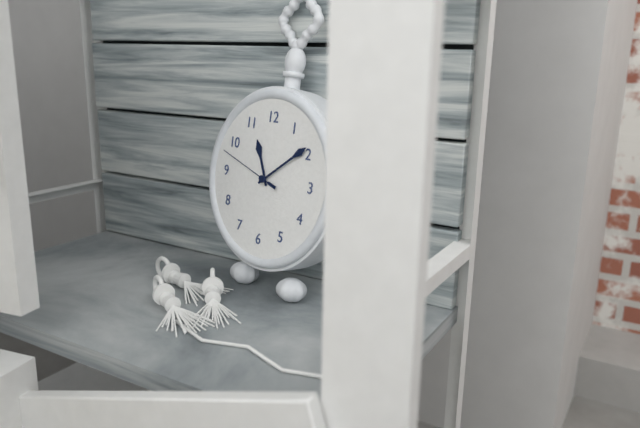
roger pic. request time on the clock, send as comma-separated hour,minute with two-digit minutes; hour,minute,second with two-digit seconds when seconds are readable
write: 11,09,48
